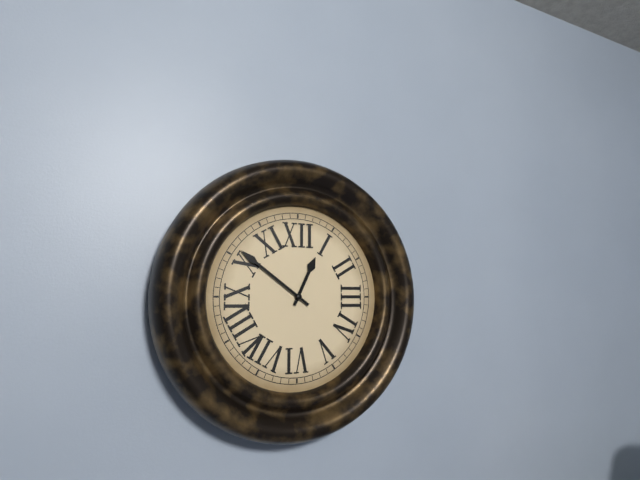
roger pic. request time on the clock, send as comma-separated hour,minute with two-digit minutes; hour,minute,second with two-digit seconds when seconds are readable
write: 12,51
